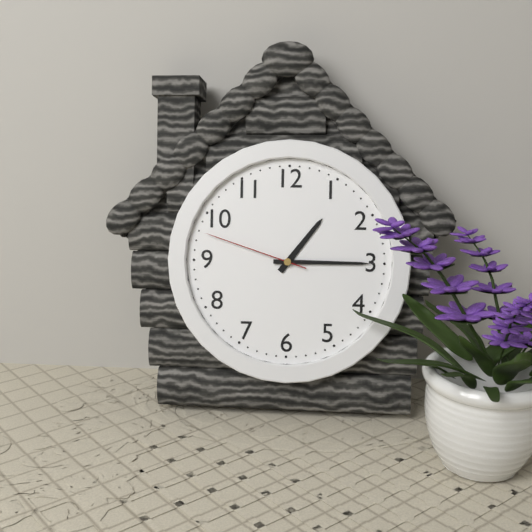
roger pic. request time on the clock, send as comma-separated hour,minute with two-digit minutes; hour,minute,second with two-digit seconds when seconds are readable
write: 1,15,48
